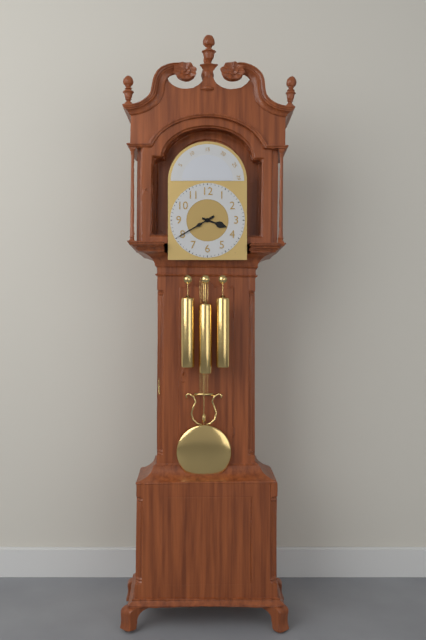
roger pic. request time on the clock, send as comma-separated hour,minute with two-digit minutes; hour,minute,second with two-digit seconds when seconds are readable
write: 3,40
